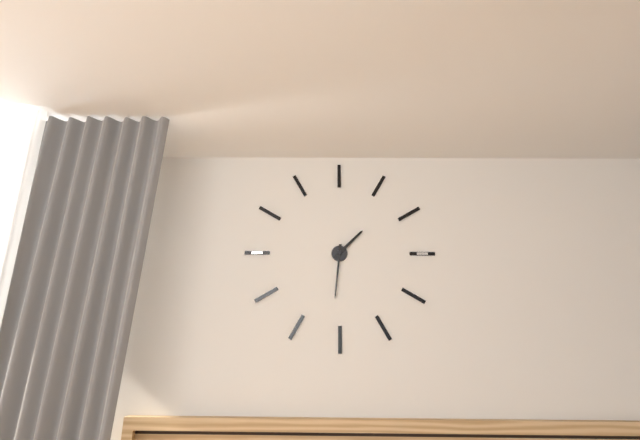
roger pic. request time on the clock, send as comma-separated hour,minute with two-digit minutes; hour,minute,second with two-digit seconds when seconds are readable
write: 1,31
